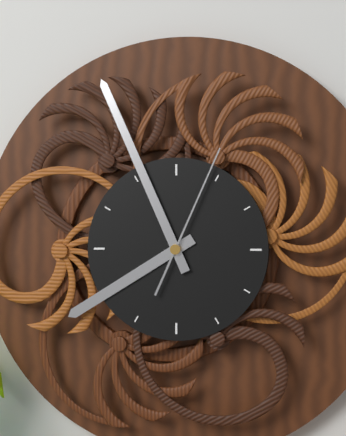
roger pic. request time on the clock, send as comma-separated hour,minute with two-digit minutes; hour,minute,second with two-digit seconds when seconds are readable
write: 7,56,04
